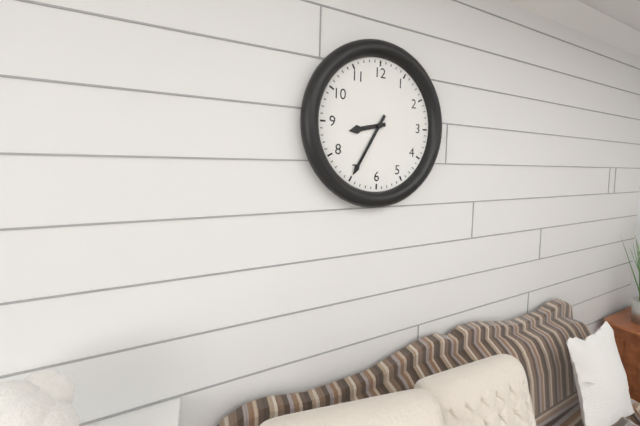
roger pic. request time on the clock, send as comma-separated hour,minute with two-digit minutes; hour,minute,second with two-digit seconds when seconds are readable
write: 8,35
